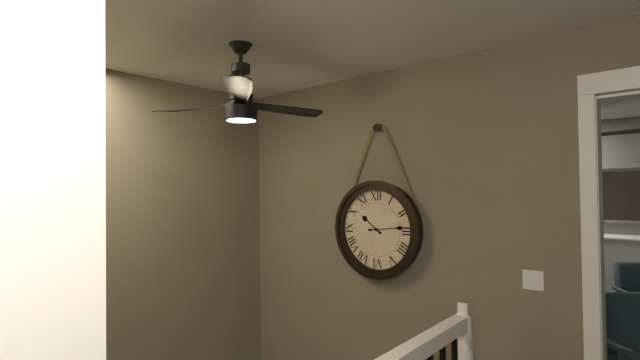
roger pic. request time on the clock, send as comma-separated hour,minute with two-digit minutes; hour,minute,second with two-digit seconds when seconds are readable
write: 10,14
